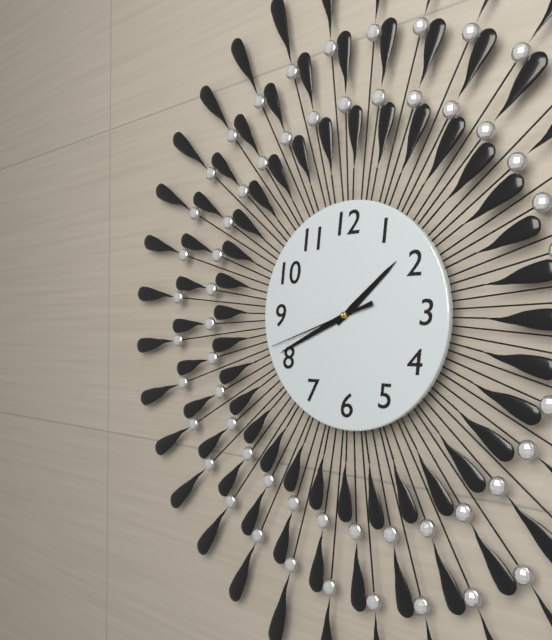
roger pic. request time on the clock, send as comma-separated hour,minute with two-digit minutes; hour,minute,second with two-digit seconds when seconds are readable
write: 1,41,42
